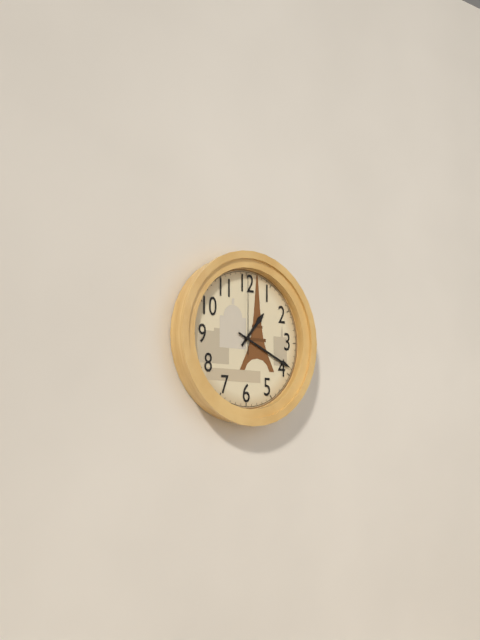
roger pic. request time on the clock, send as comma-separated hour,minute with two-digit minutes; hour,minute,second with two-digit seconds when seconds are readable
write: 1,19,00
